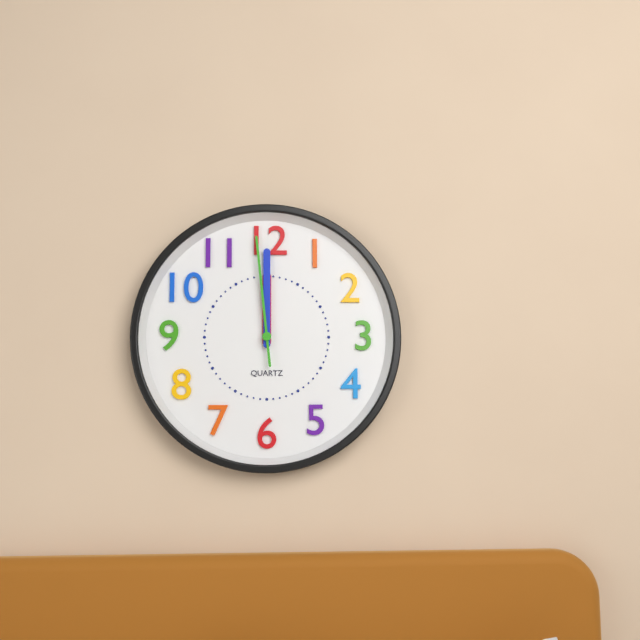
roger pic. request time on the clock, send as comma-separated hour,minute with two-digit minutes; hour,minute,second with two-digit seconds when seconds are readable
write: 12,00,59
